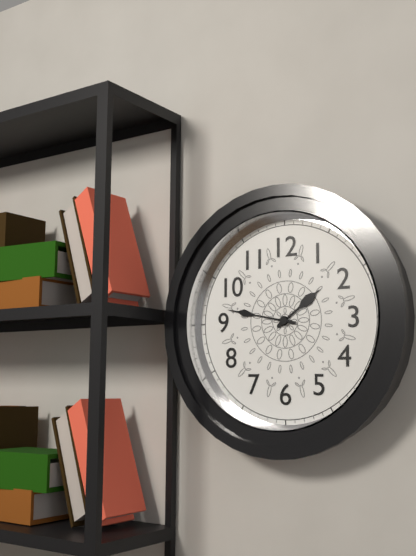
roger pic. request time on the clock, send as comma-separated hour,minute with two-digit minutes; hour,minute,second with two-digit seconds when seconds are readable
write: 1,47
